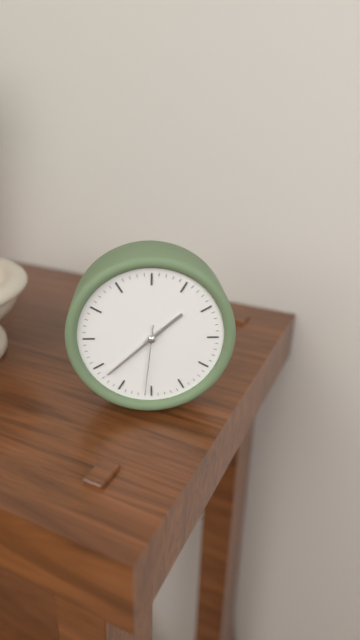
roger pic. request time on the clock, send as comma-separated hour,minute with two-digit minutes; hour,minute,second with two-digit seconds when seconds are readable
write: 1,38,31
